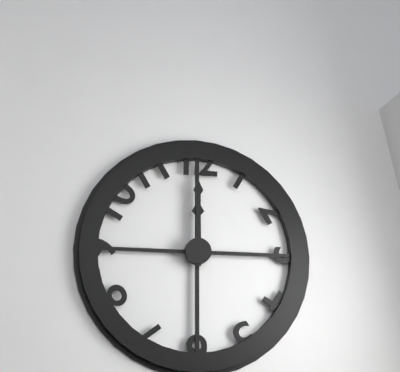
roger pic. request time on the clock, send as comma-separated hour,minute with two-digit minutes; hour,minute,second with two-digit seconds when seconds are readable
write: 12,00
